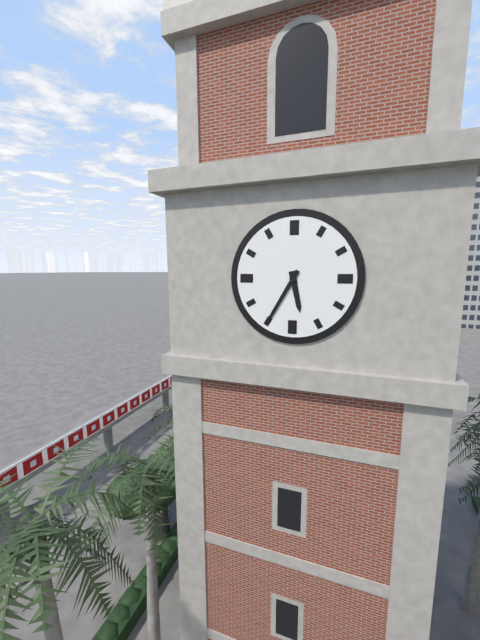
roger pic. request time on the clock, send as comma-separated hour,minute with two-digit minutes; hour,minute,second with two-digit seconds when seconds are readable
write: 5,35
